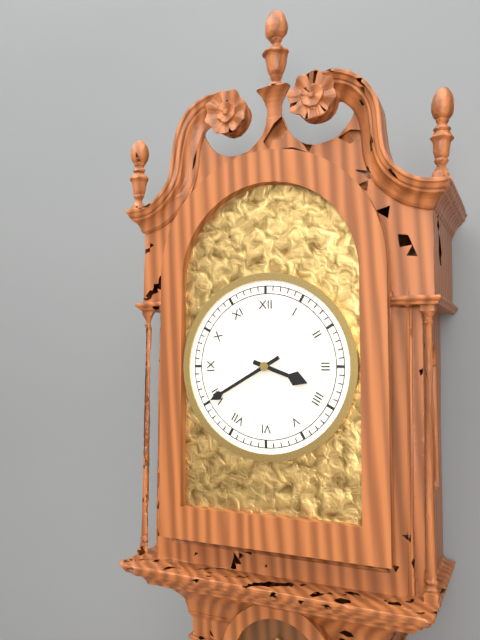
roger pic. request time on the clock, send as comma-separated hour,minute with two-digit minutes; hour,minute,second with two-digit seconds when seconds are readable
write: 3,40
